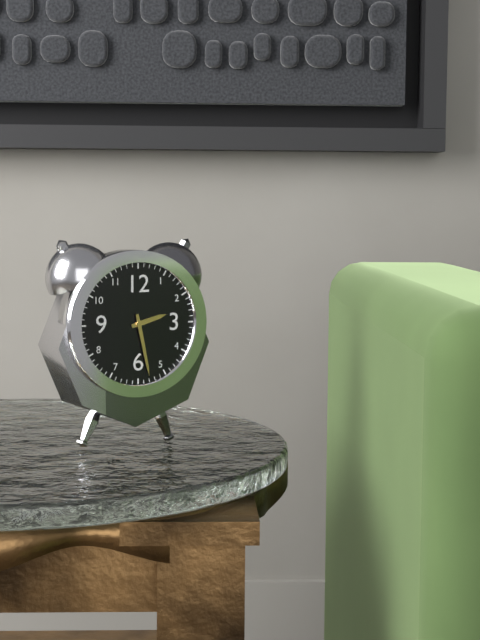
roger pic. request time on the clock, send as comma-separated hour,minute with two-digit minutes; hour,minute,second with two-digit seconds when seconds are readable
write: 2,28
